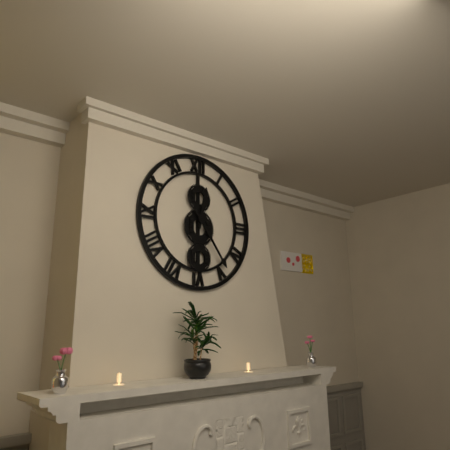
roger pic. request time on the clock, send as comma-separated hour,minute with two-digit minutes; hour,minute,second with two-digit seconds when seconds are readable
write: 12,24
